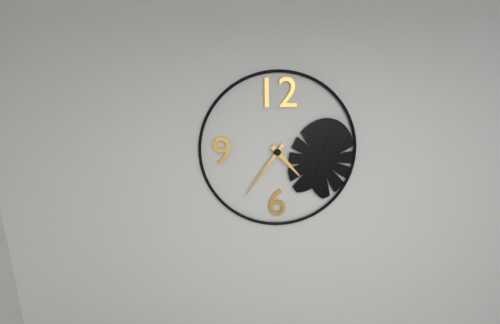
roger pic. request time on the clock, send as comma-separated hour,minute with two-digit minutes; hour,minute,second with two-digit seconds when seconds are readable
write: 4,36
